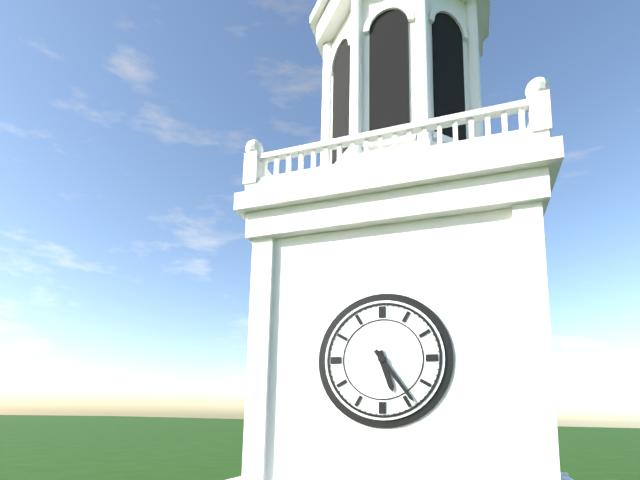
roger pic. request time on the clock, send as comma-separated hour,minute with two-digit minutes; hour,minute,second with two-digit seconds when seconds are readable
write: 5,24
